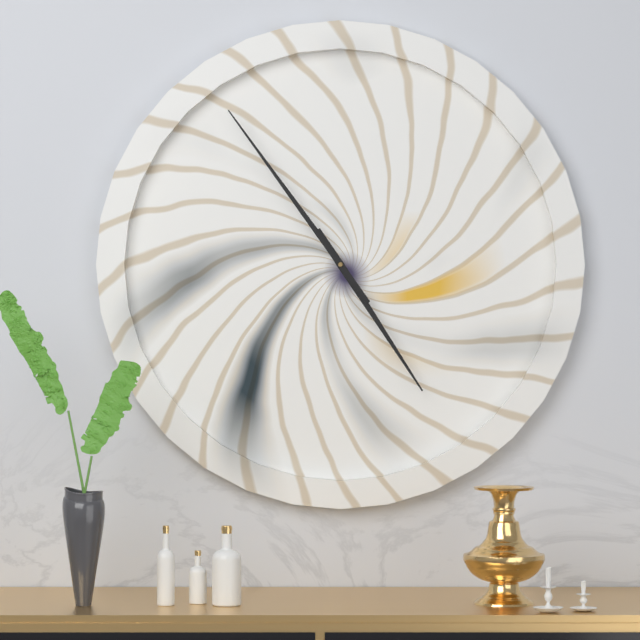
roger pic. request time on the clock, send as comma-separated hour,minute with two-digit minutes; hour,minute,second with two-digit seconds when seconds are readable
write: 4,54
